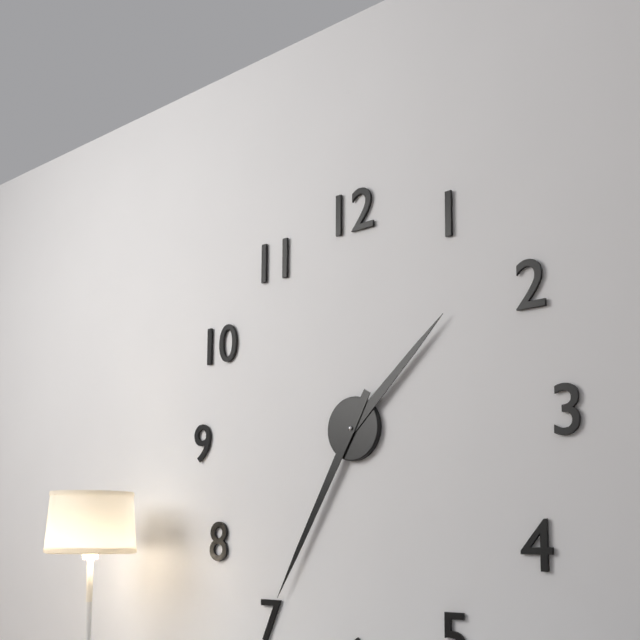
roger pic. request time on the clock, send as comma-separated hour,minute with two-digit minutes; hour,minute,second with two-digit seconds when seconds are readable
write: 1,35
